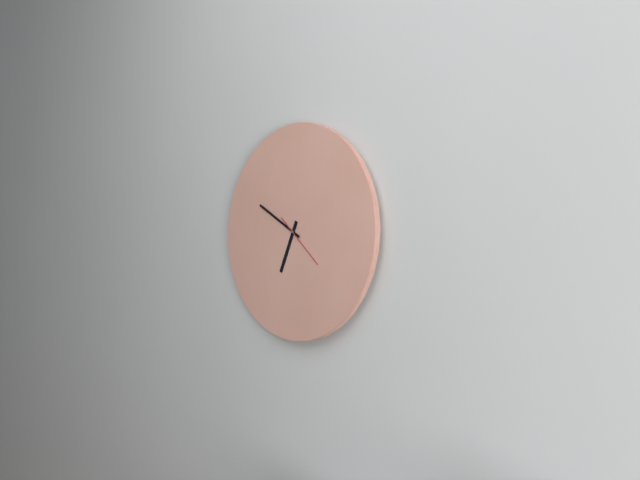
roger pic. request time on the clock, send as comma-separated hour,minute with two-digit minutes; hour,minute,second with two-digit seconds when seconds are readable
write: 6,50,22
